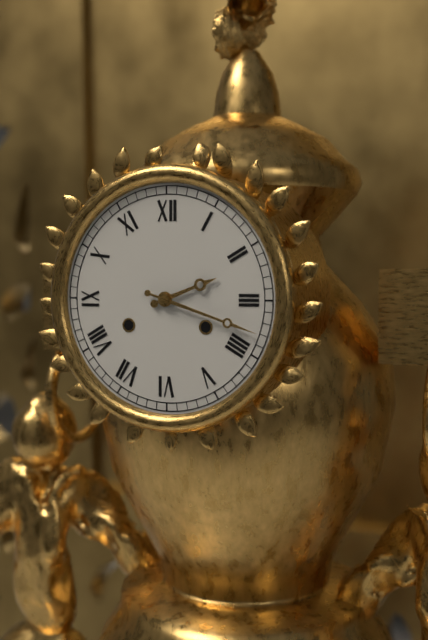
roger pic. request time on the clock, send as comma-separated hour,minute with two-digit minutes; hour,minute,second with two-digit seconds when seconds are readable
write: 2,18
